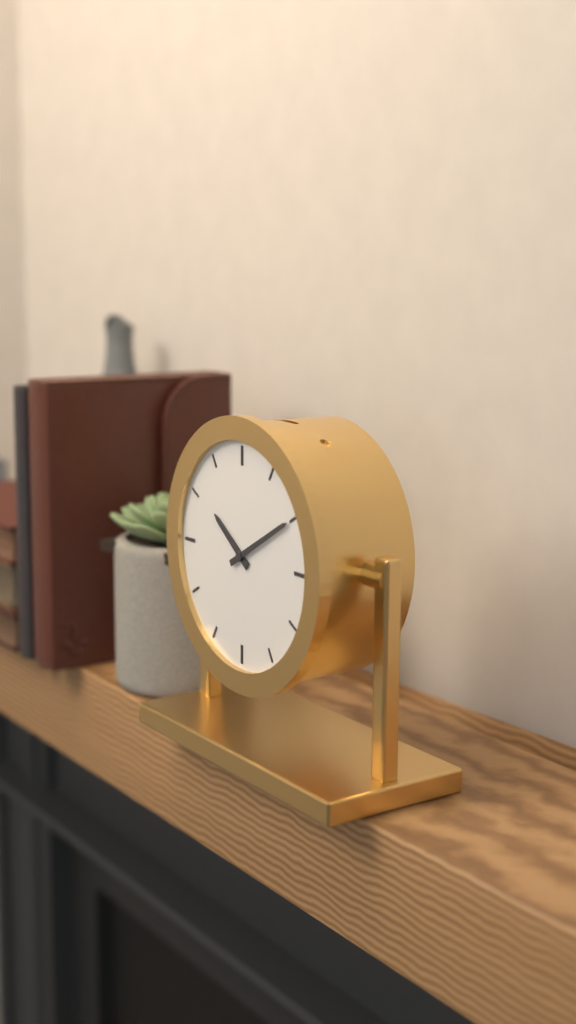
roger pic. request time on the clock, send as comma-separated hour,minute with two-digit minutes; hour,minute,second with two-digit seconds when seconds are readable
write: 10,10
